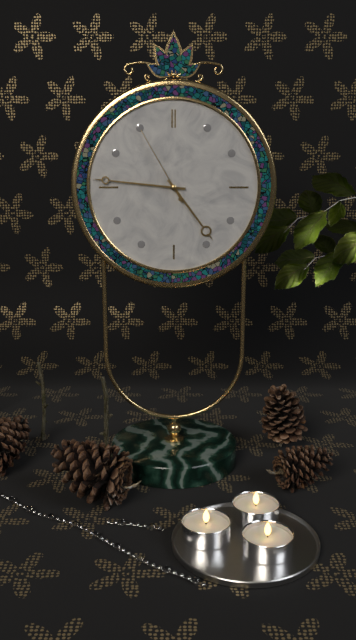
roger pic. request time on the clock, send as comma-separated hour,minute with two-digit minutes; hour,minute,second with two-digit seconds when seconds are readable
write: 4,46,55
